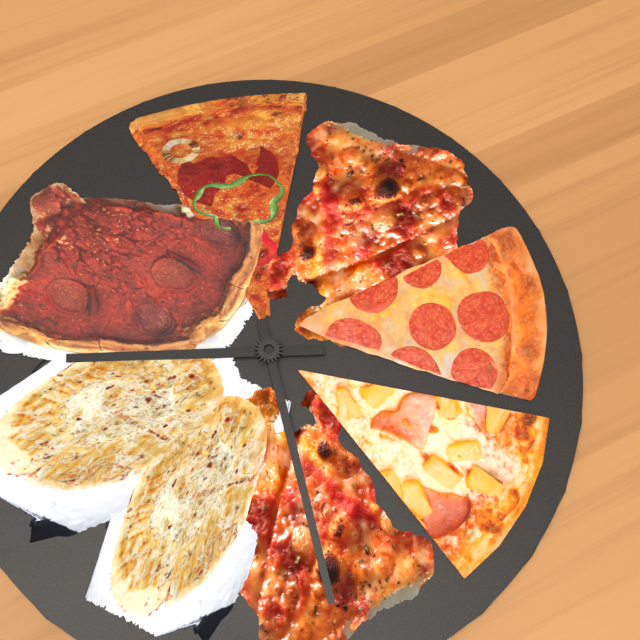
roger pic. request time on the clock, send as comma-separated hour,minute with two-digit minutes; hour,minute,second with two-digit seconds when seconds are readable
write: 12,47
